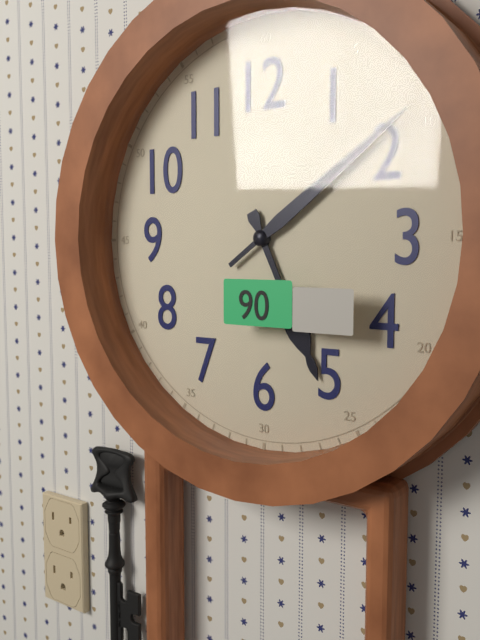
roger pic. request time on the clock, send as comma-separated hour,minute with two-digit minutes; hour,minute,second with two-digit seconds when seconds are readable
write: 5,09
